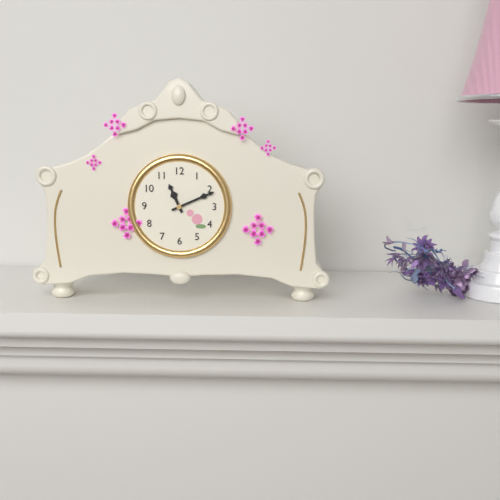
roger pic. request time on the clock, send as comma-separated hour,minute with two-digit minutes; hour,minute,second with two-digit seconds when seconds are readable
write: 11,11
